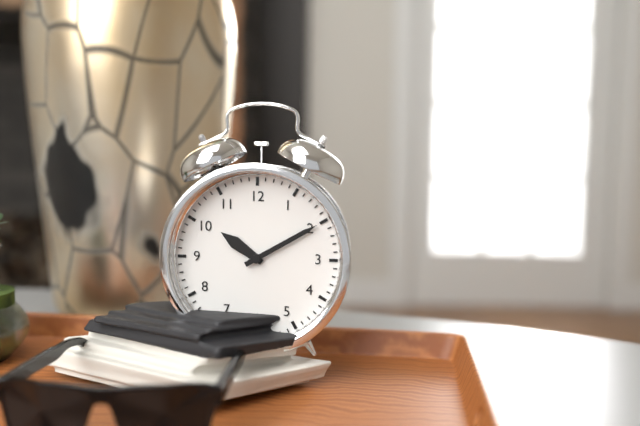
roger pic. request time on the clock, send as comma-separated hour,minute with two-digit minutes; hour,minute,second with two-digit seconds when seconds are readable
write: 10,10
